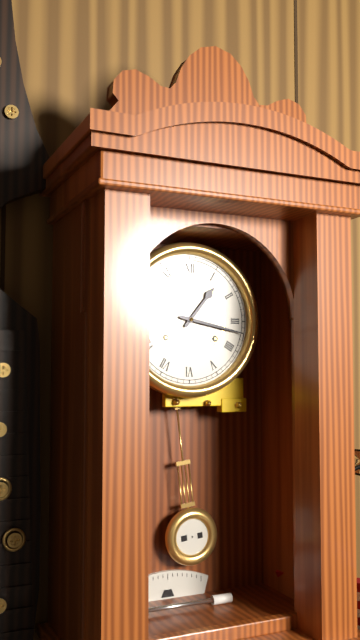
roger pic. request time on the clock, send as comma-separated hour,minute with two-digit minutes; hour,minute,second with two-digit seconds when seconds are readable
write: 1,17
